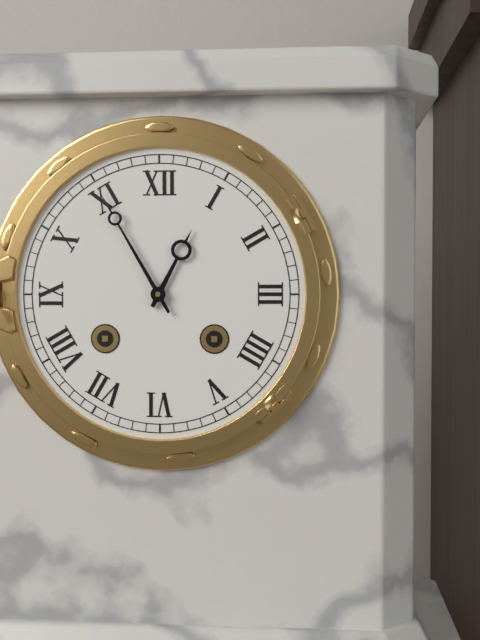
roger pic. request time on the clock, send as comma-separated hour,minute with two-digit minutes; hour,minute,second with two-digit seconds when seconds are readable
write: 12,55
